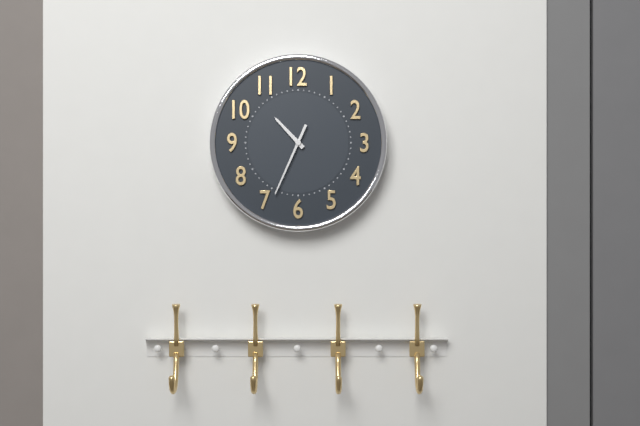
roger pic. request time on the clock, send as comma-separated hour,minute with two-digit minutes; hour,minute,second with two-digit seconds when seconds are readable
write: 10,34
